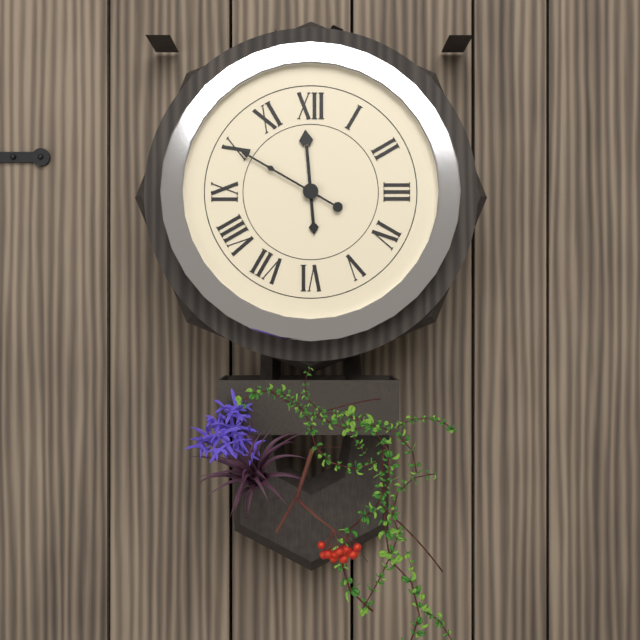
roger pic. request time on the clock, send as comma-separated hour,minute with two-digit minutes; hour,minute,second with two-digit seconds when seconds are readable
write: 11,50
